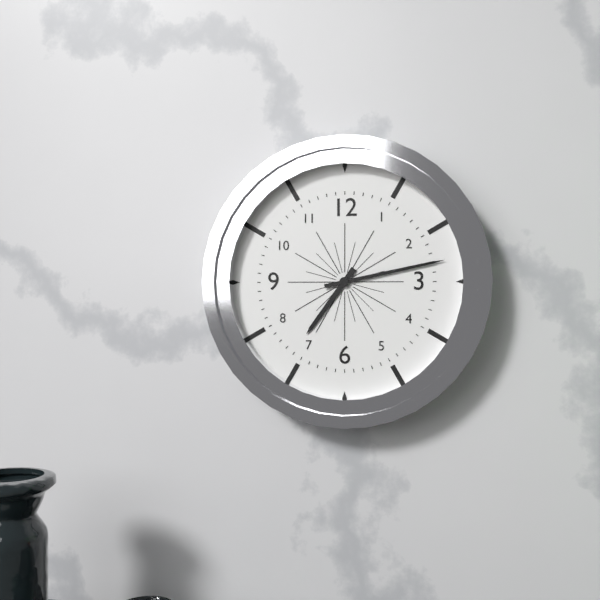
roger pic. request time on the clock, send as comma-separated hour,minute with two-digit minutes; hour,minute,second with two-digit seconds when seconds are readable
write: 7,13
